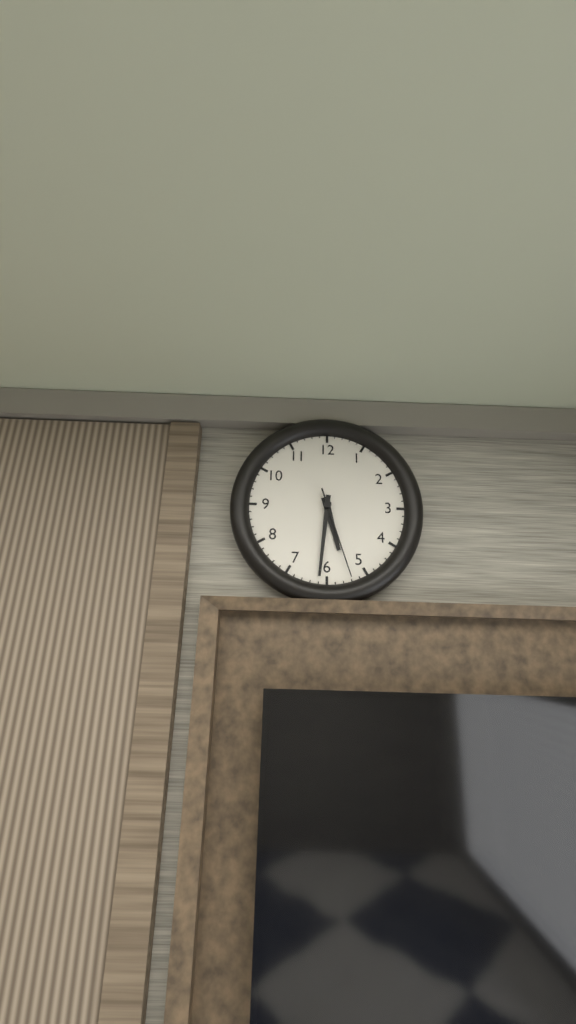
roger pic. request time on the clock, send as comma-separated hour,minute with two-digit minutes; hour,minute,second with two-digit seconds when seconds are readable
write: 5,31,27
